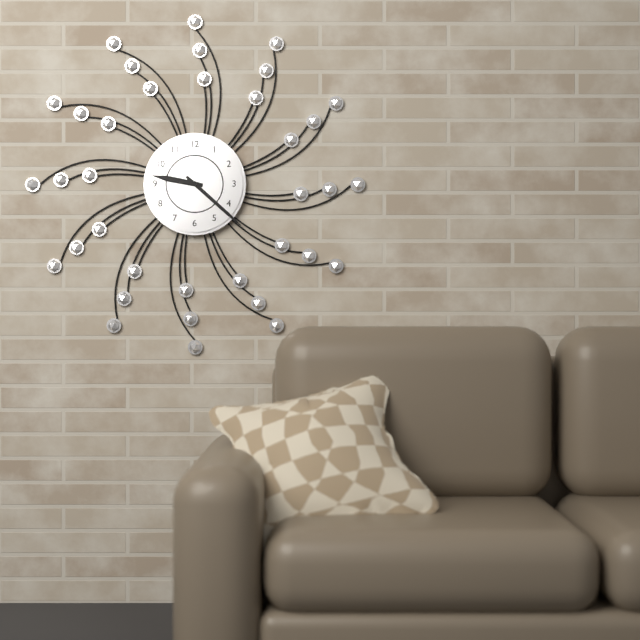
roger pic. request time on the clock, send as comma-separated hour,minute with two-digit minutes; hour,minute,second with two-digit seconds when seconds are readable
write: 9,22
